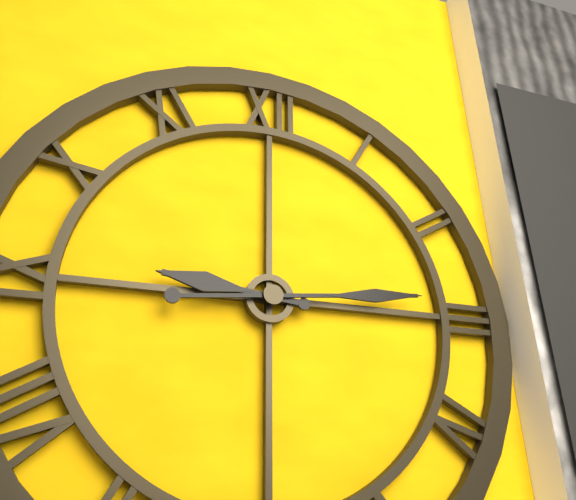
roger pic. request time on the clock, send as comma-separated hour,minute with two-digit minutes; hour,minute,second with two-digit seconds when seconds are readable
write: 9,14
